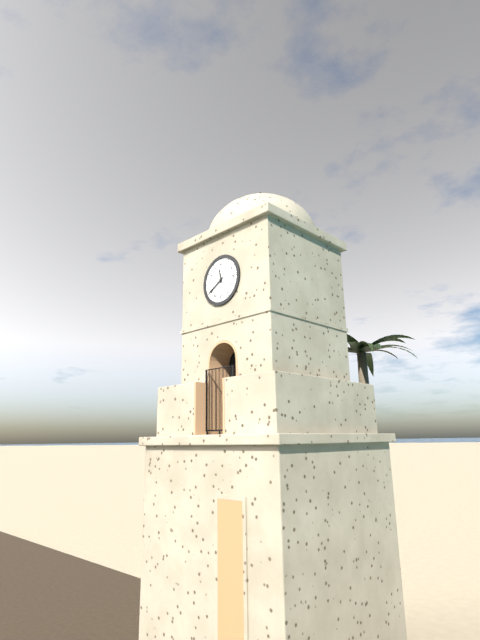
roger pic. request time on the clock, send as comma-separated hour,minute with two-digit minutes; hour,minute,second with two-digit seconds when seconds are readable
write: 11,40
